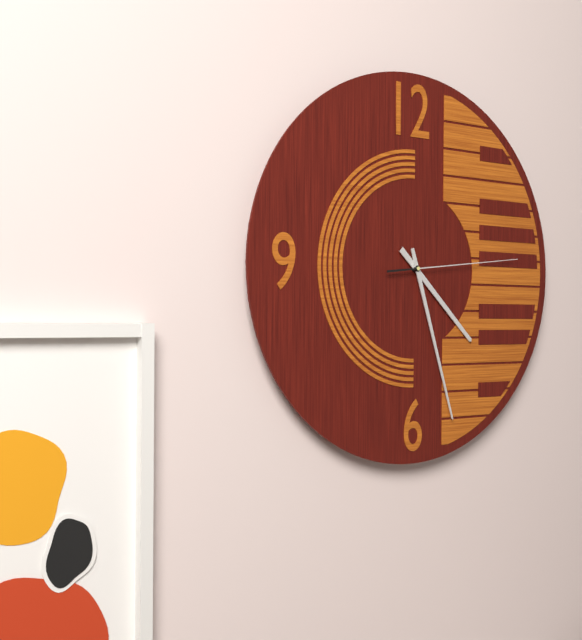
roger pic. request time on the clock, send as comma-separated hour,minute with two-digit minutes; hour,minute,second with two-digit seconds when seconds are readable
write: 4,27,14
